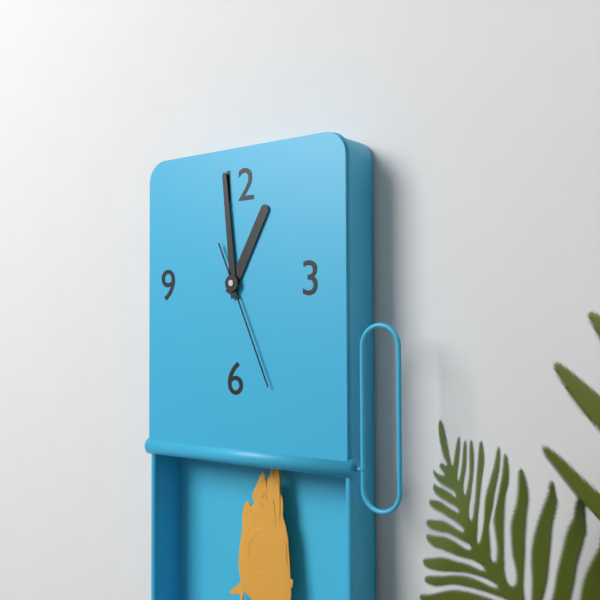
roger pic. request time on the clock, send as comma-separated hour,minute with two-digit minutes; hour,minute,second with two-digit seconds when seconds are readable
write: 12,59,26
